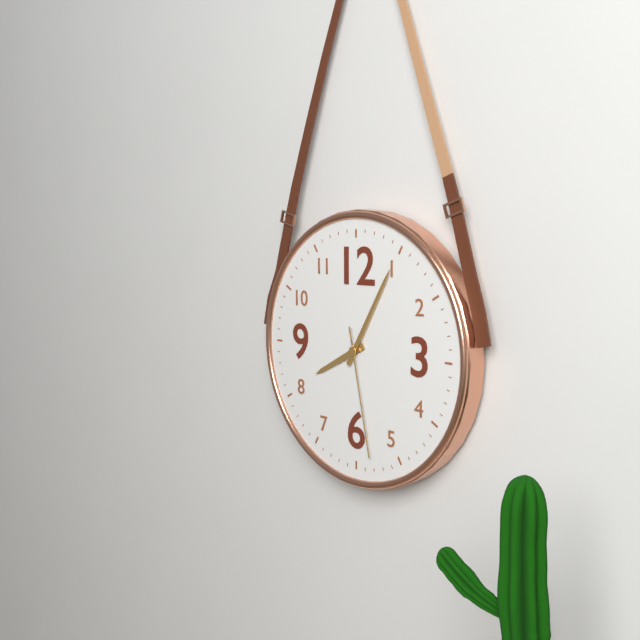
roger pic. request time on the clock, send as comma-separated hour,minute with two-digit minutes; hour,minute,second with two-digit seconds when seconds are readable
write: 8,05,28
